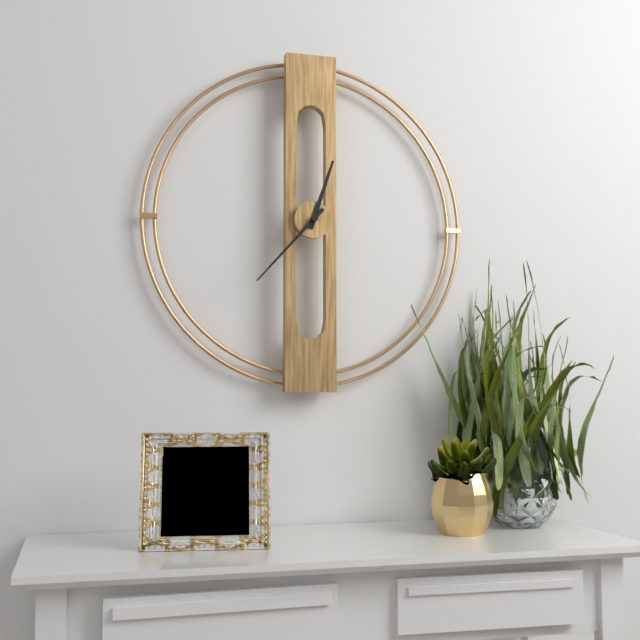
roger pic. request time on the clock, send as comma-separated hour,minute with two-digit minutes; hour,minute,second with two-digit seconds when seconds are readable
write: 12,37
